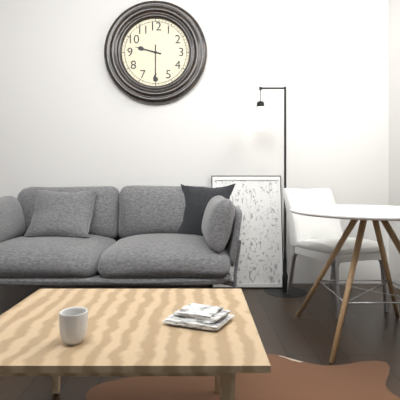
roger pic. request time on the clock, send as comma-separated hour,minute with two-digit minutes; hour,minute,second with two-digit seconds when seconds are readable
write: 9,30
